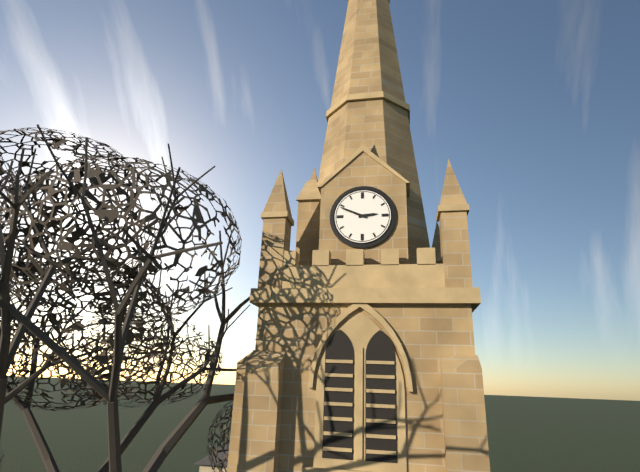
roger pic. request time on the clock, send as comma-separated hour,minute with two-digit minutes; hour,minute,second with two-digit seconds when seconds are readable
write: 2,49
